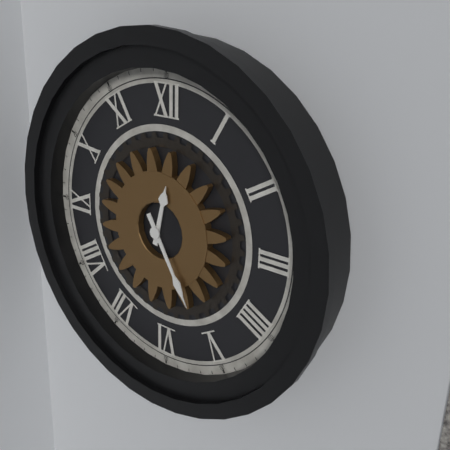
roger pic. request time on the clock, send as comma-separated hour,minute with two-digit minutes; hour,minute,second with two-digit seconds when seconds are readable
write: 12,25
